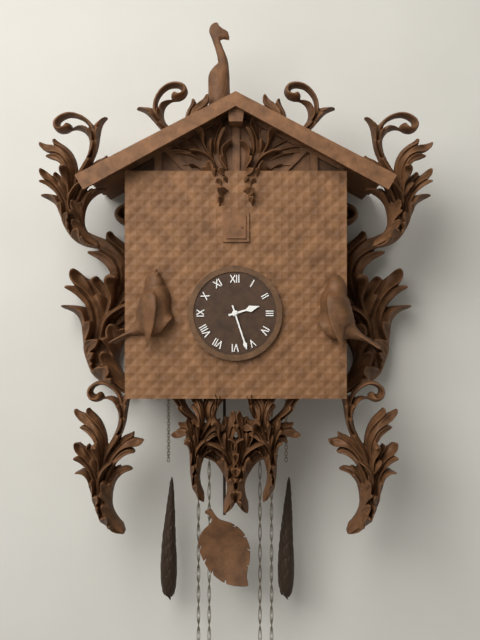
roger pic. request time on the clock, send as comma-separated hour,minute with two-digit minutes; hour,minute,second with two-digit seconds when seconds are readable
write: 2,27
